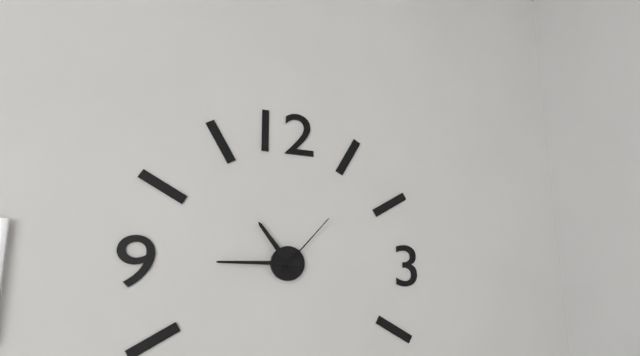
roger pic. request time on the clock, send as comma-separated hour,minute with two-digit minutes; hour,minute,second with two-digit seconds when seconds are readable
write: 10,45,07
